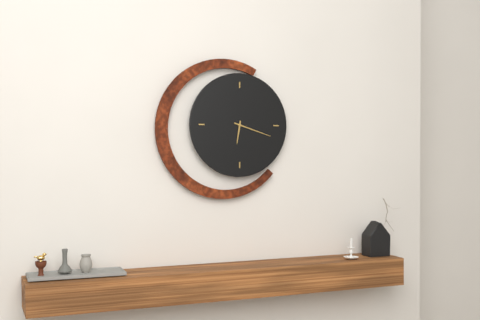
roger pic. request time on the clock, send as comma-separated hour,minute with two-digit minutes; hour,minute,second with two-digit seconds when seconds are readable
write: 6,18
